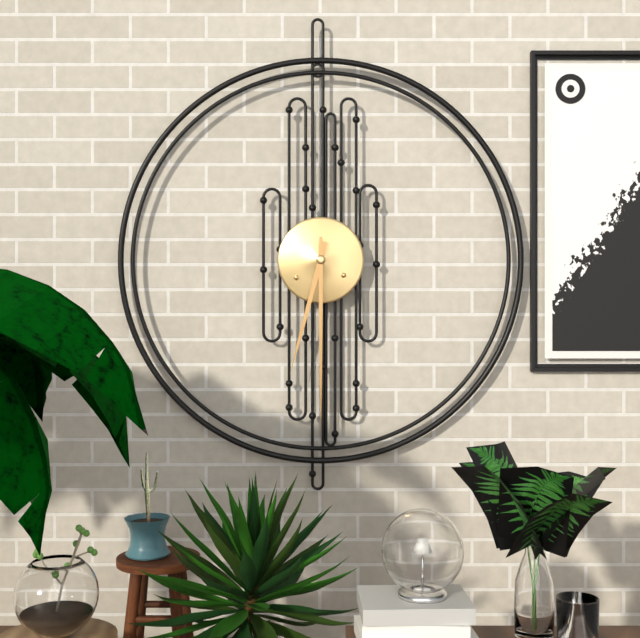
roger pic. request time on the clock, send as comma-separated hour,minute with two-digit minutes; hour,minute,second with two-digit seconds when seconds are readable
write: 6,30
